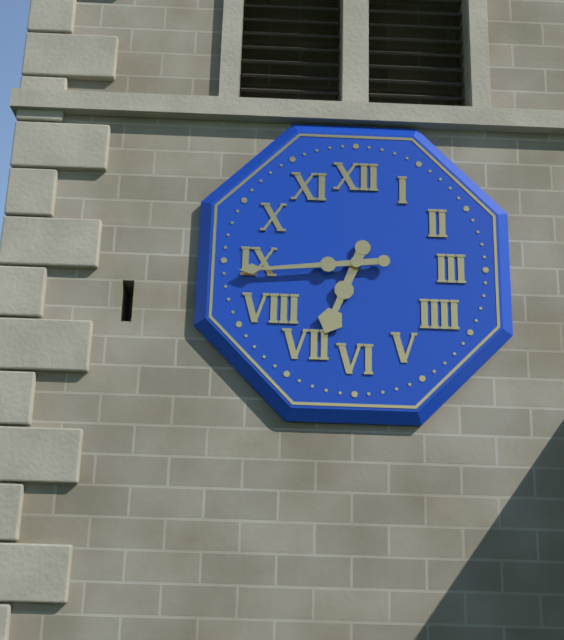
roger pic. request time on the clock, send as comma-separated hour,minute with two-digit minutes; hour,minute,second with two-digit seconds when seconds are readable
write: 6,44
